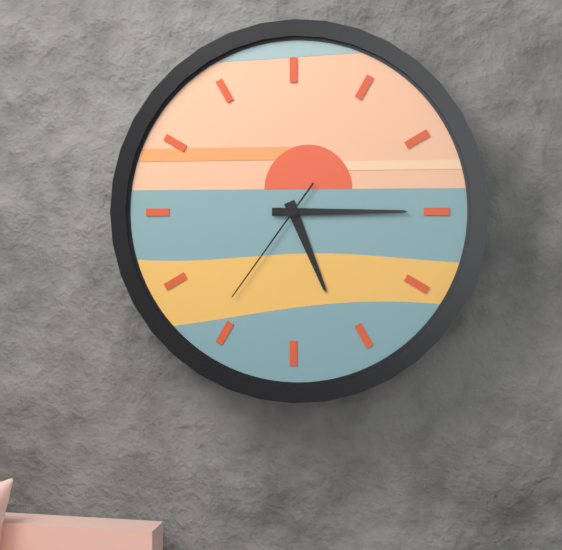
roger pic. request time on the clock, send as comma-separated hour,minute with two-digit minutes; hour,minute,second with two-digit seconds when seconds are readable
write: 5,15,36
